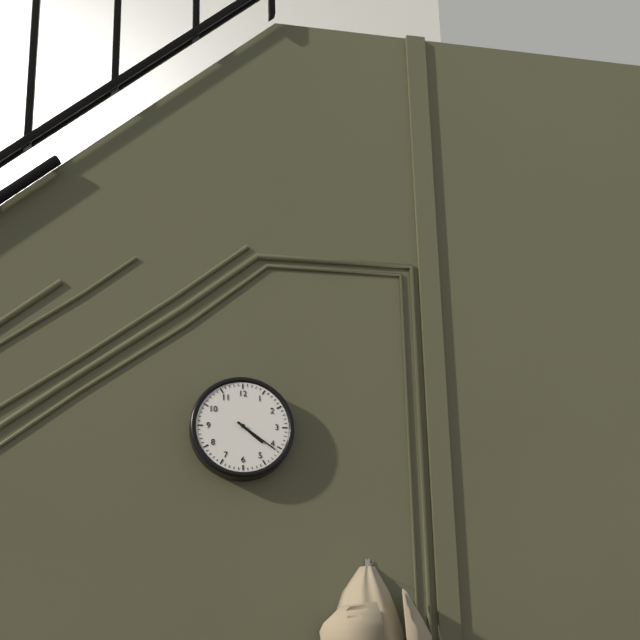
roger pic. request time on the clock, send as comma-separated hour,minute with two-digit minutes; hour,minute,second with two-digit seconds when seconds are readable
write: 4,21
